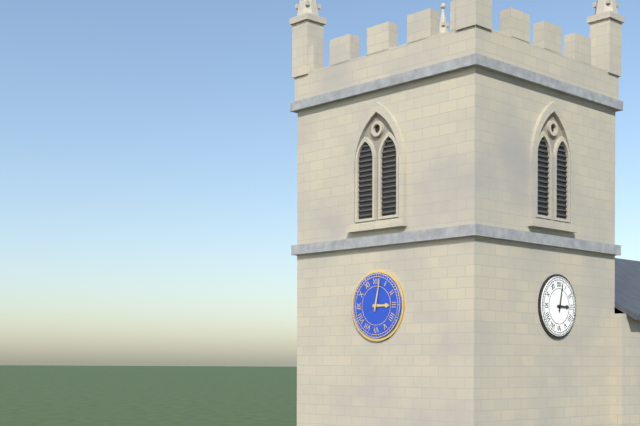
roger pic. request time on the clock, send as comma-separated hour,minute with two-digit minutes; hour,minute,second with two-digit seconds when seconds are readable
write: 3,02
